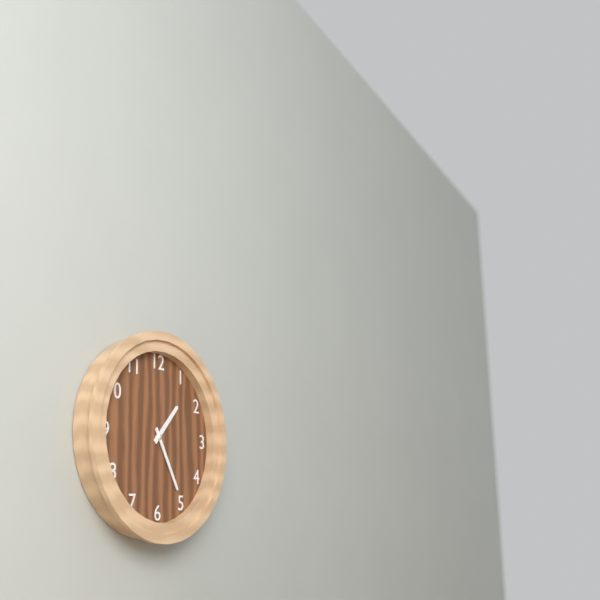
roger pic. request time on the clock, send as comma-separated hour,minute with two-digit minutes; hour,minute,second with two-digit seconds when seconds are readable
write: 1,25
